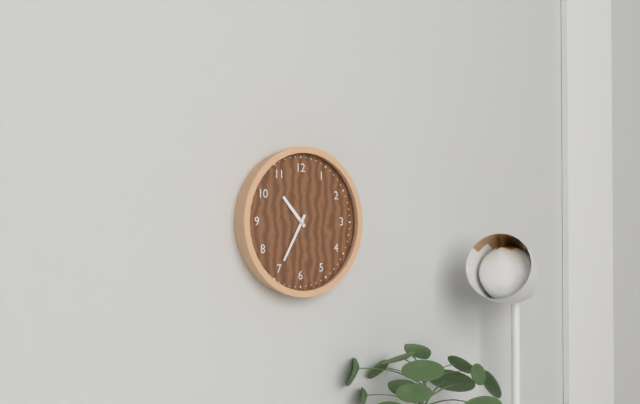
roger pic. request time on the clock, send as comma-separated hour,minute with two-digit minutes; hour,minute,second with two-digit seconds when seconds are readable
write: 10,35
